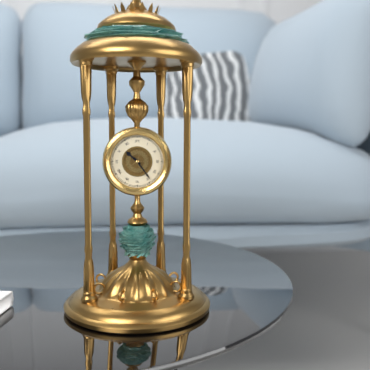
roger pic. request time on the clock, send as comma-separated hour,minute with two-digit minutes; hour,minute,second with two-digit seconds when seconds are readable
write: 10,24
